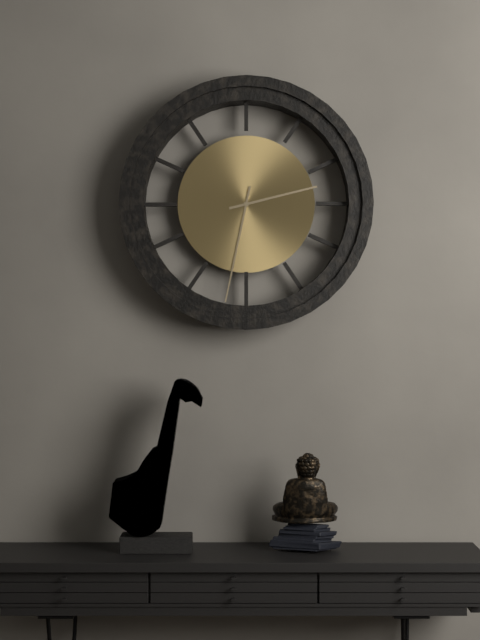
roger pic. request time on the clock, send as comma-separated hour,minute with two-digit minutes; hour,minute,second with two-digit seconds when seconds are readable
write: 2,32
